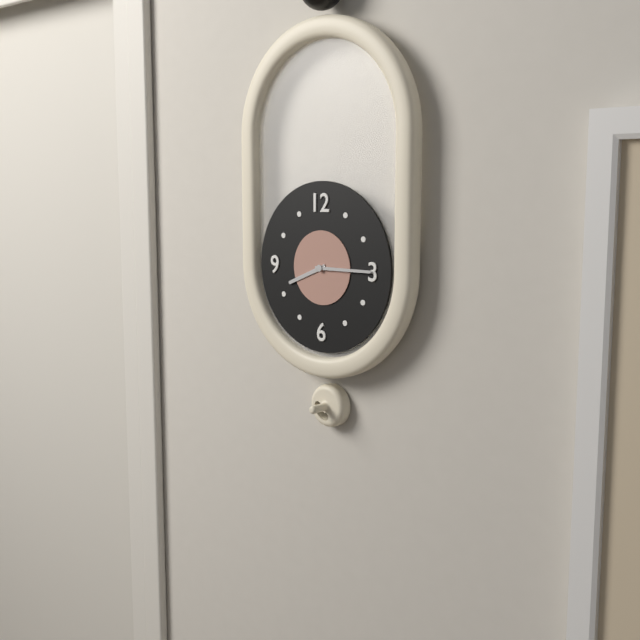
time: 8:15
